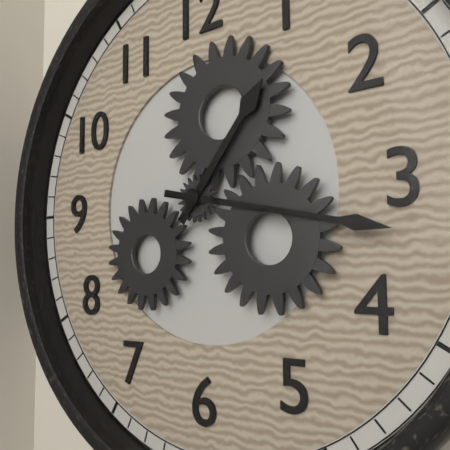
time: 1:17
